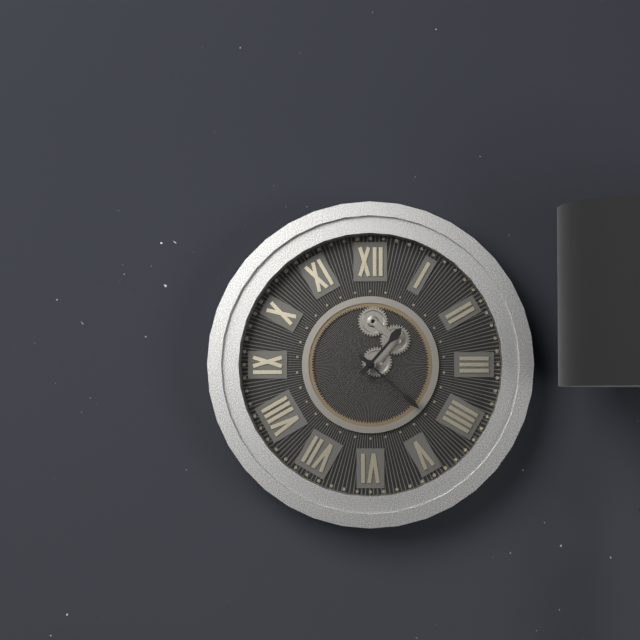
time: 1:22
